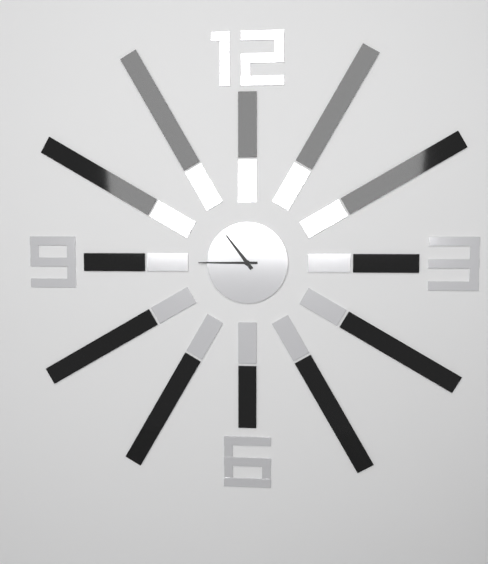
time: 10:45
